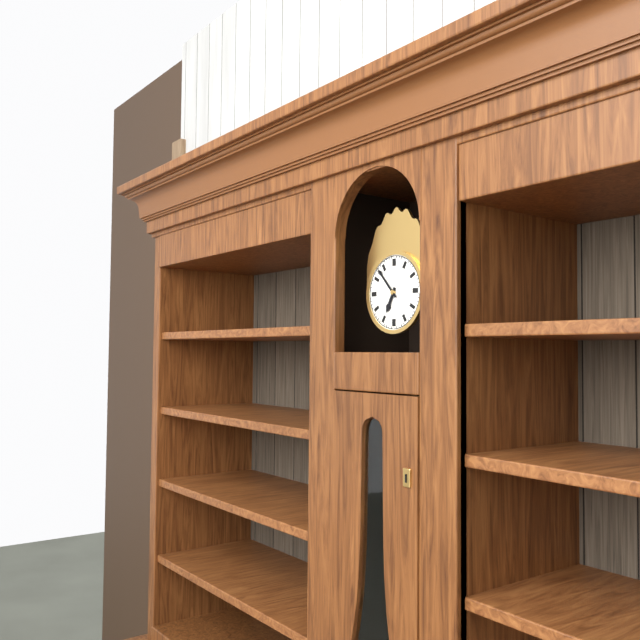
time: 6:53
